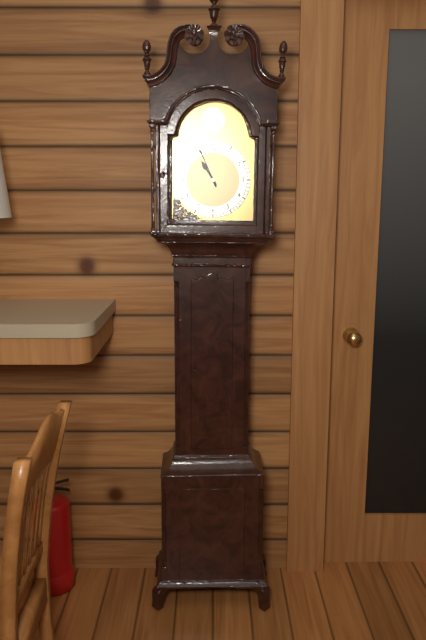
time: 10:56
